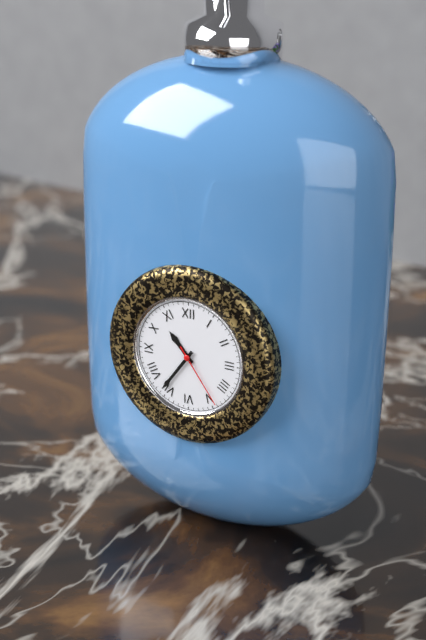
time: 10:36:24
